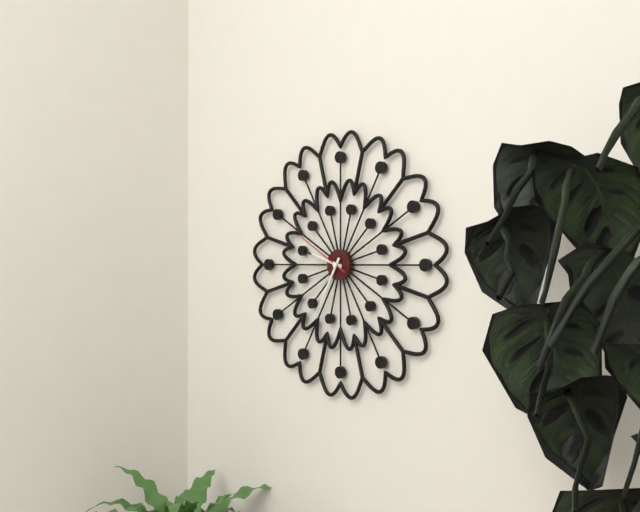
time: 9:35:50
